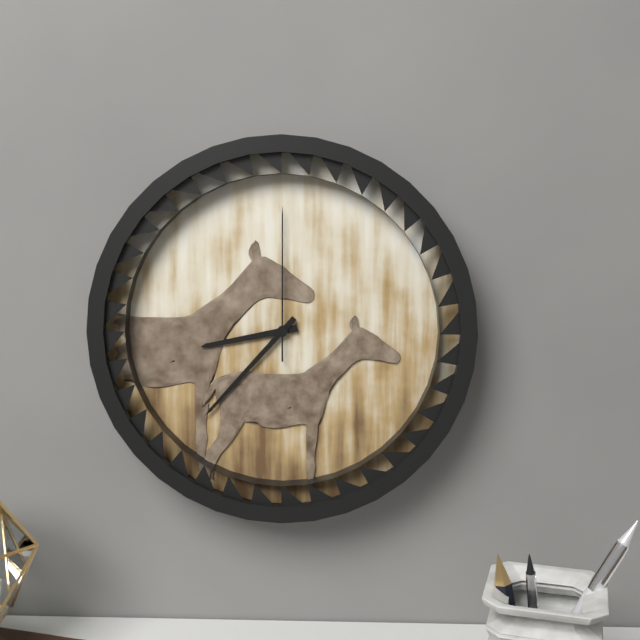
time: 8:37:00
